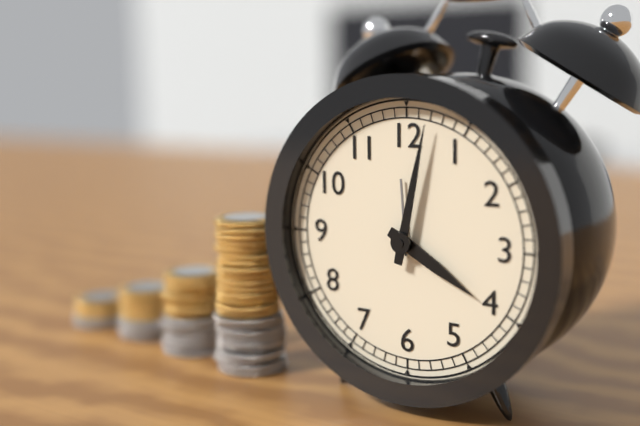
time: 4:02
